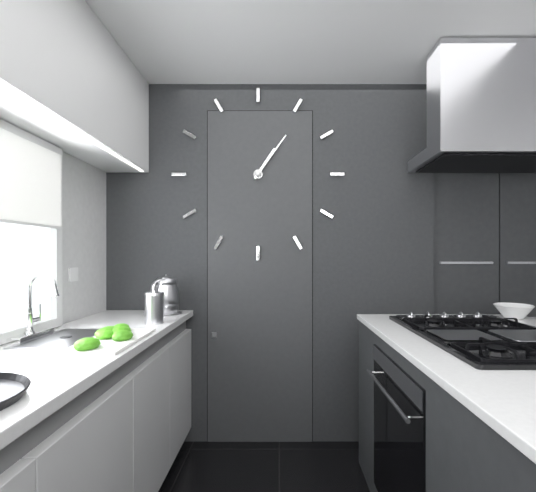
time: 1:06
